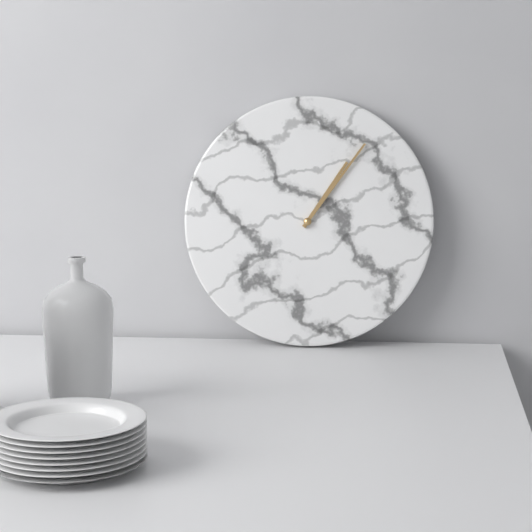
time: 1:06
